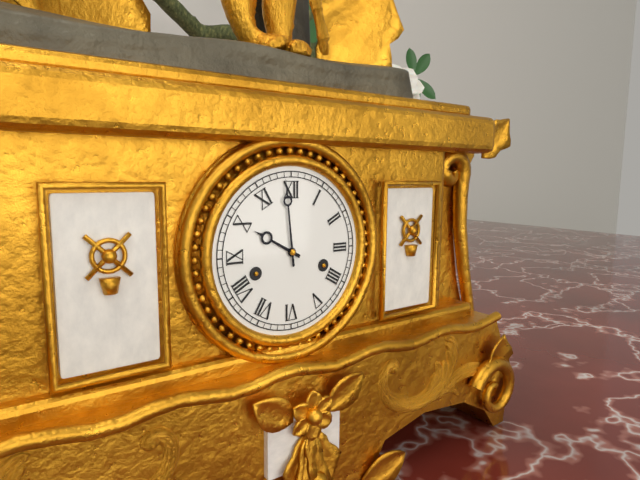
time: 9:59
